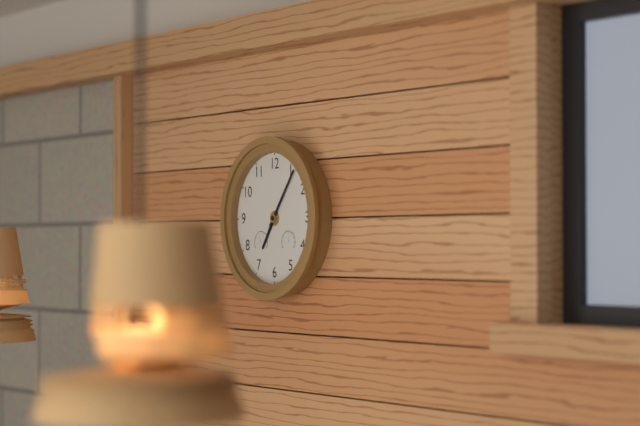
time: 7:06
